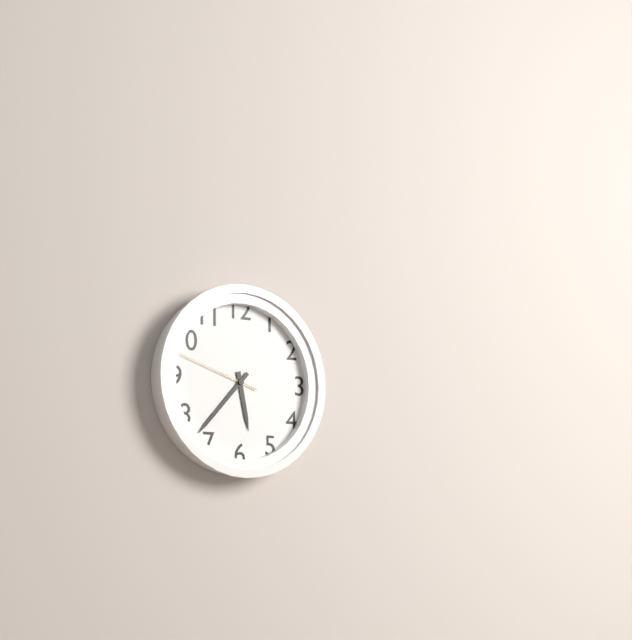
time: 5:37:48
